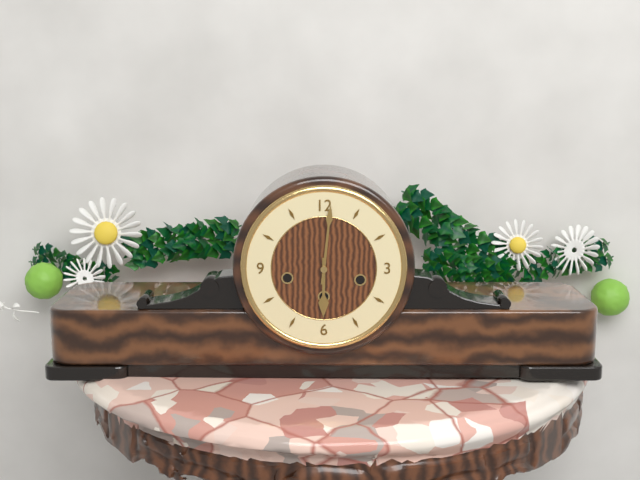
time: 6:01
